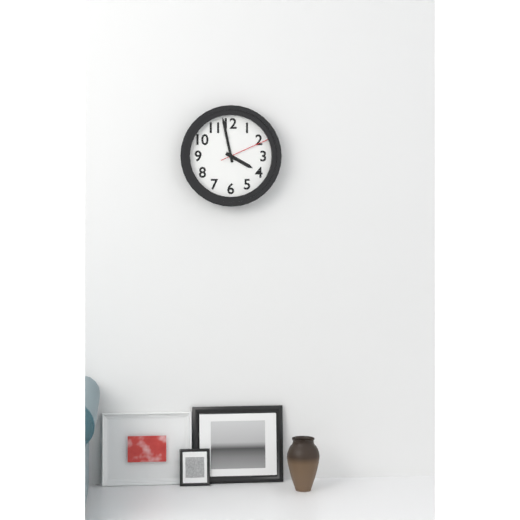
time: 3:58:11
